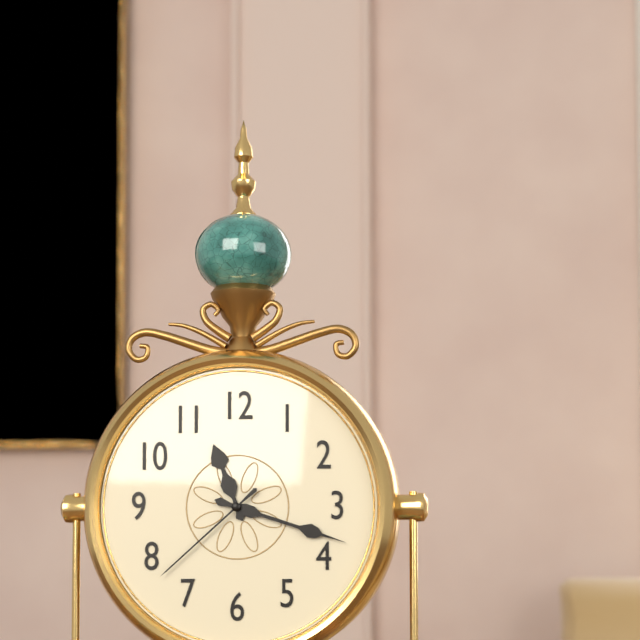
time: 11:18:38
